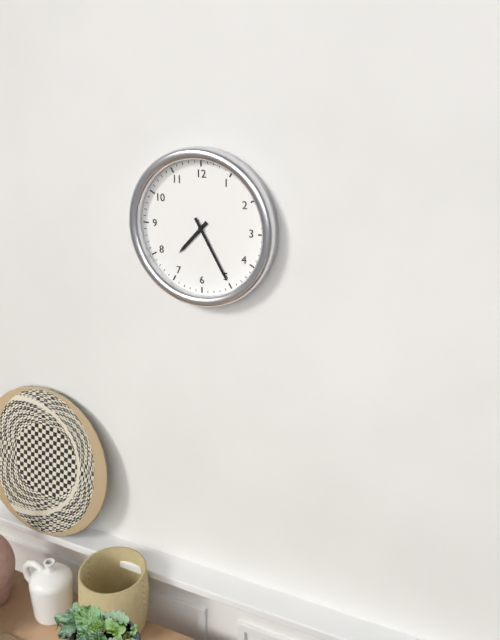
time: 7:25
